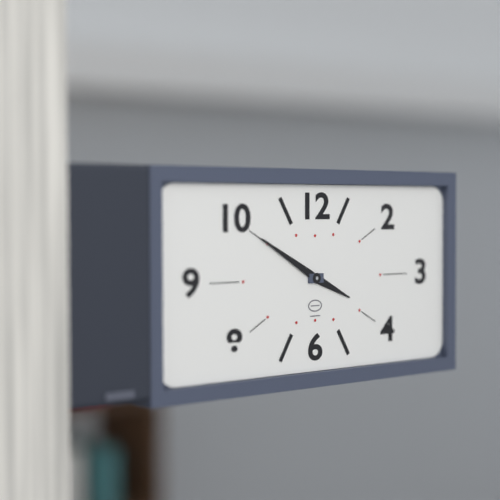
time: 3:50
